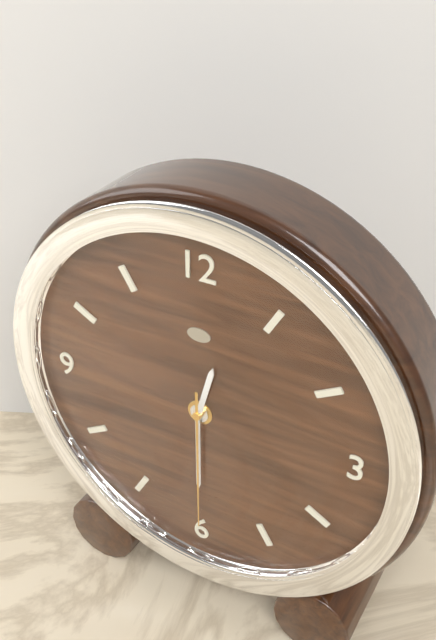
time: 12:30:30
